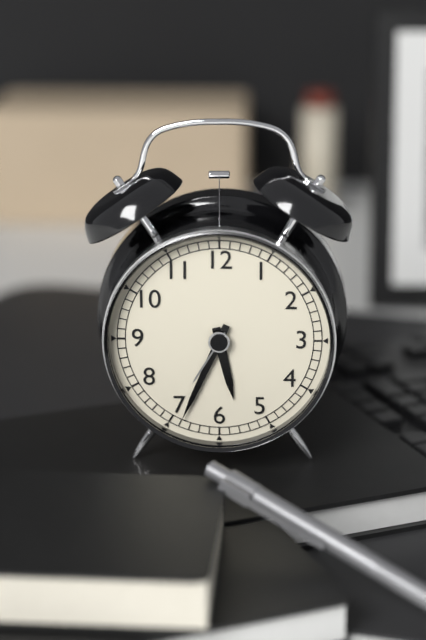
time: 5:34
